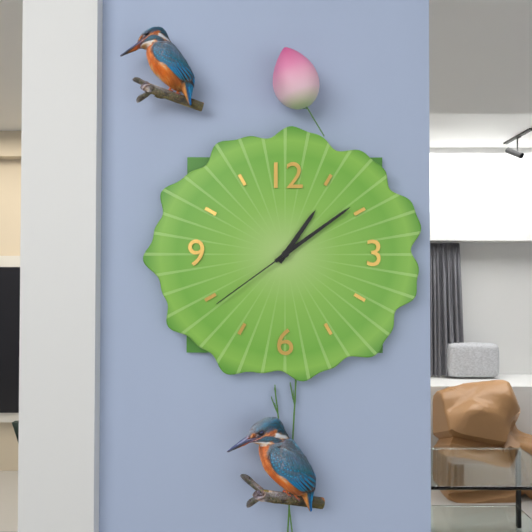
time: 1:09:39
